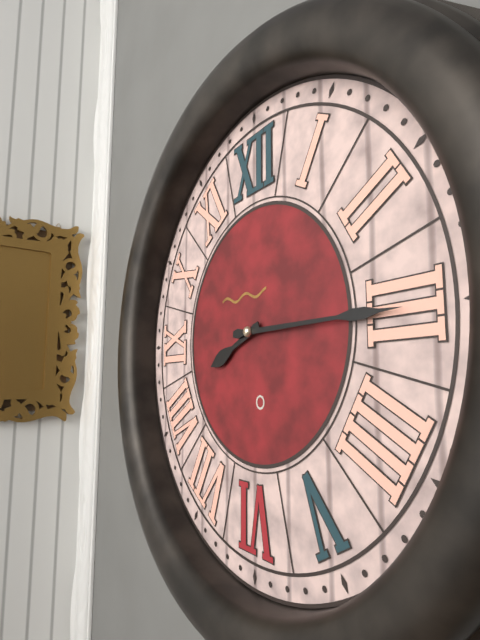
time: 8:15
